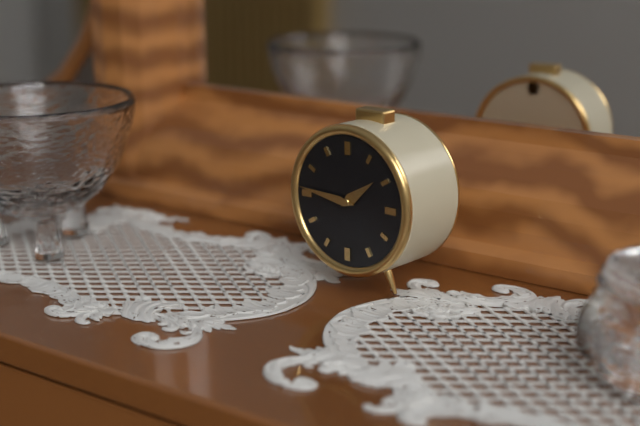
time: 1:46
